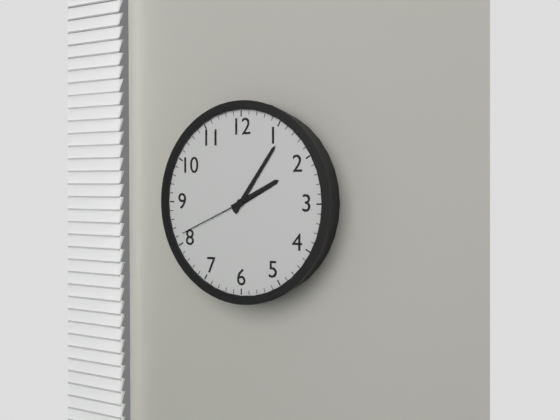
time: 2:06:41
